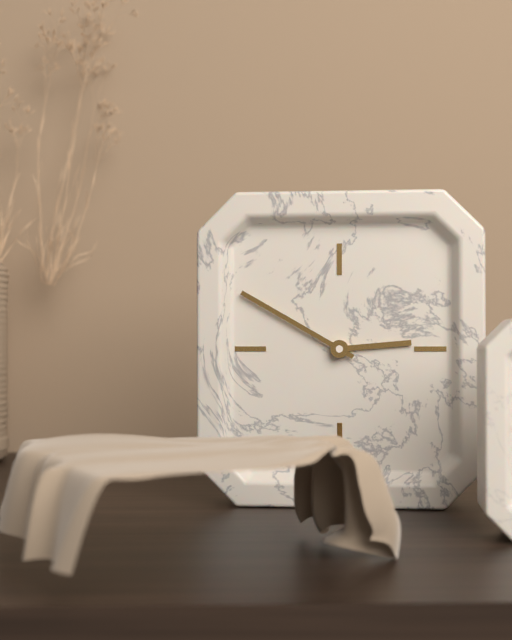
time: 2:50
